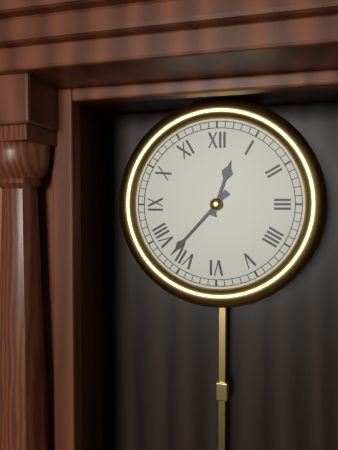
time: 12:37
